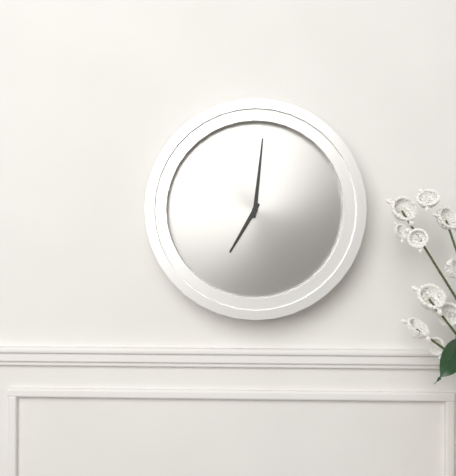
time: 7:01
